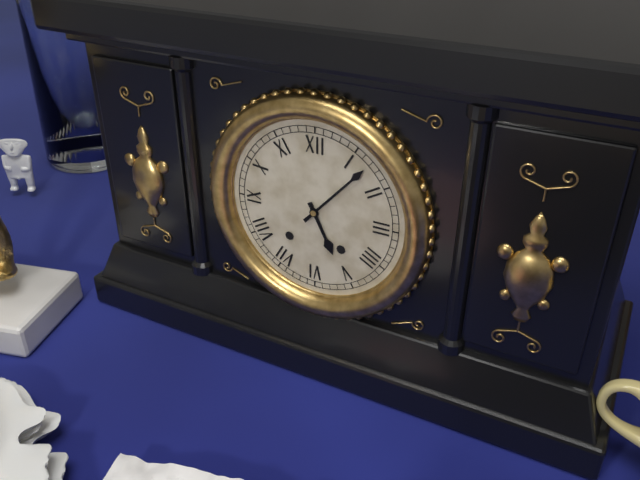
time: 5:07
